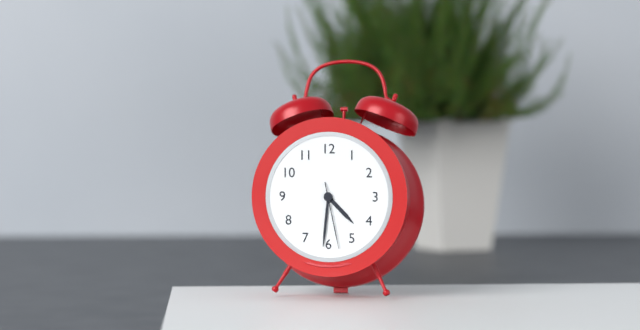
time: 4:31:28
